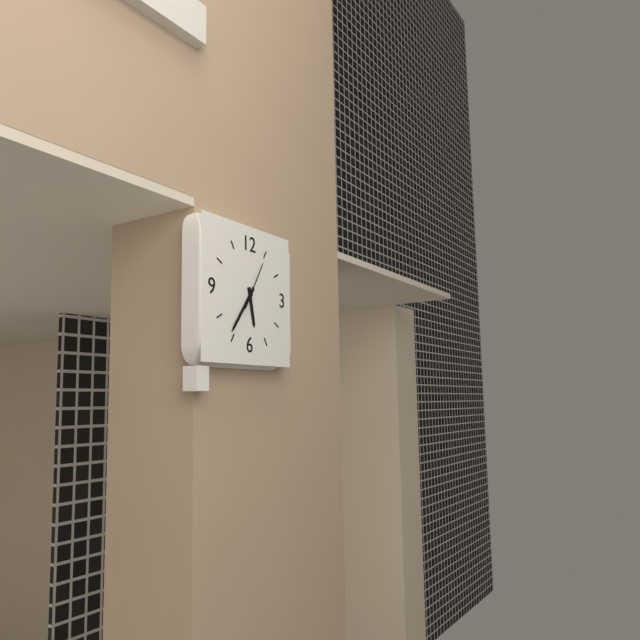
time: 5:36
